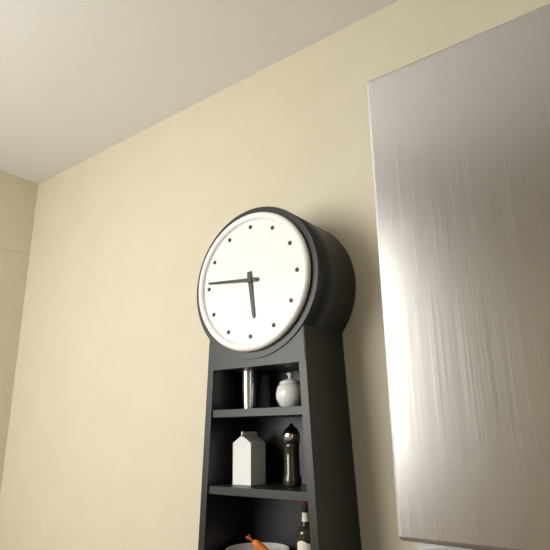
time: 5:46
